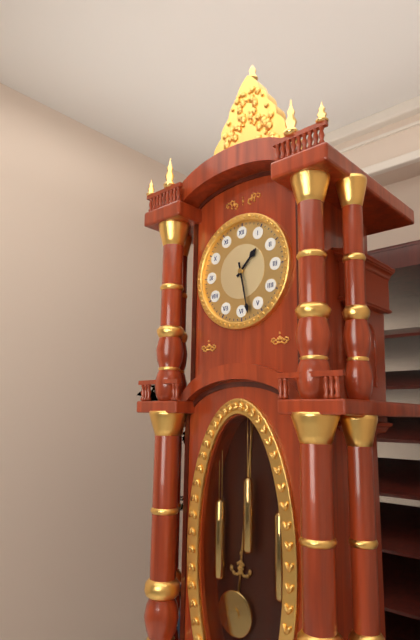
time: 1:28
